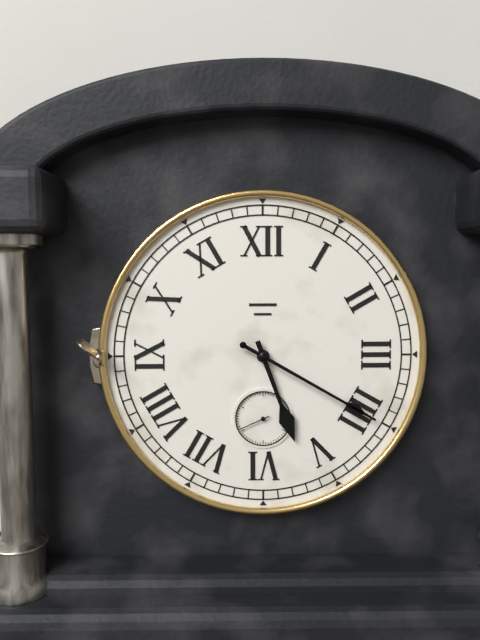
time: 5:20
